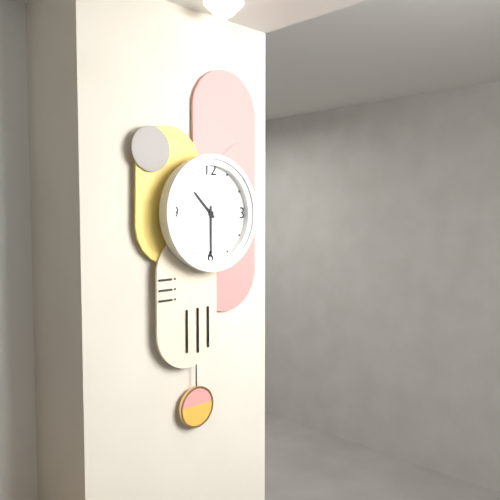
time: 10:30
